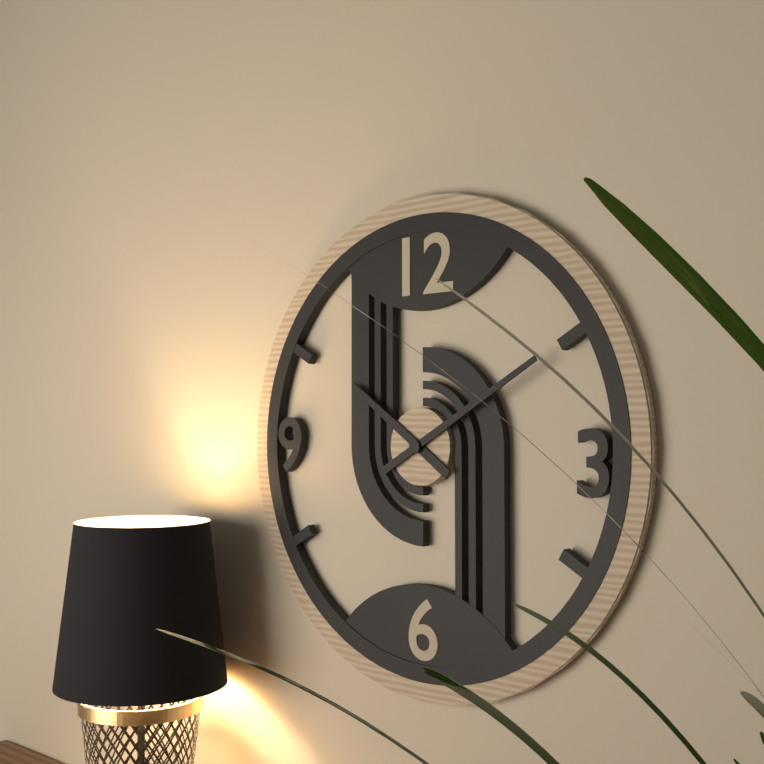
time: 10:10
